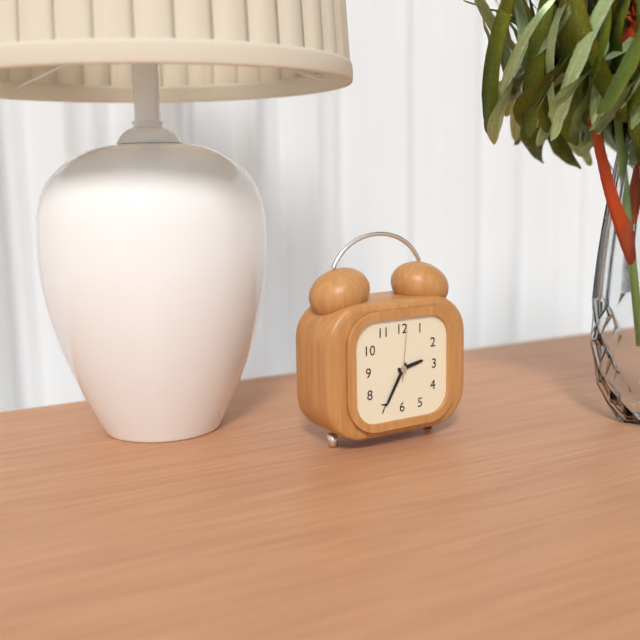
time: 2:35:01
